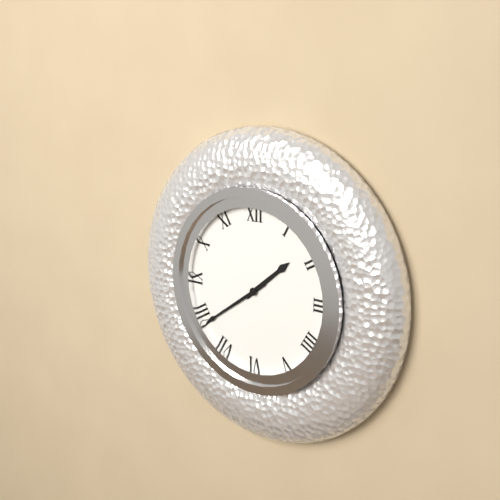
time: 1:39
